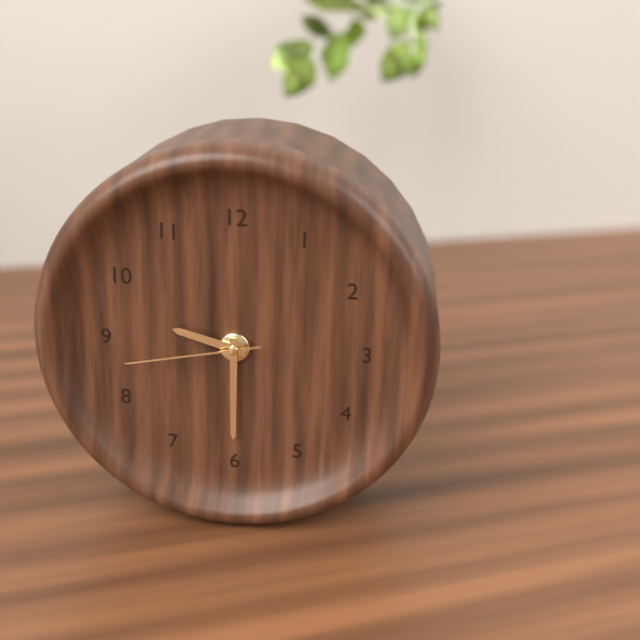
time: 9:30:43
